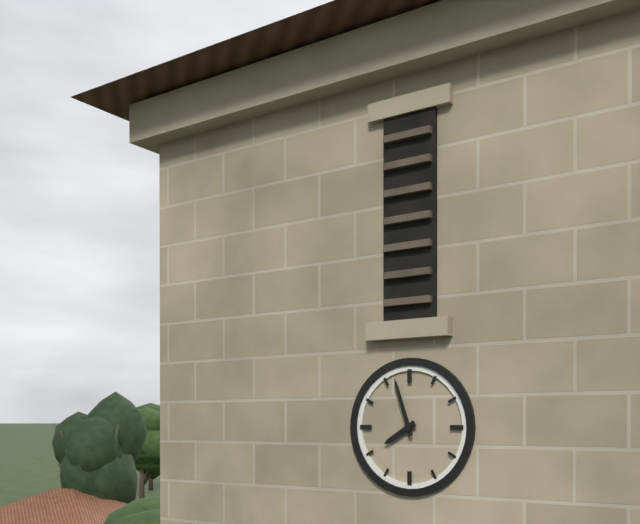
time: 7:57
